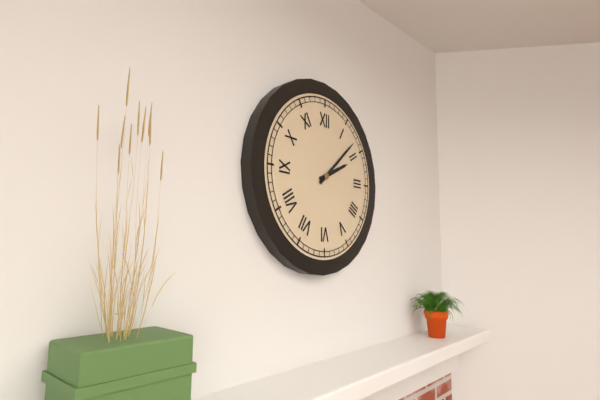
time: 2:08
